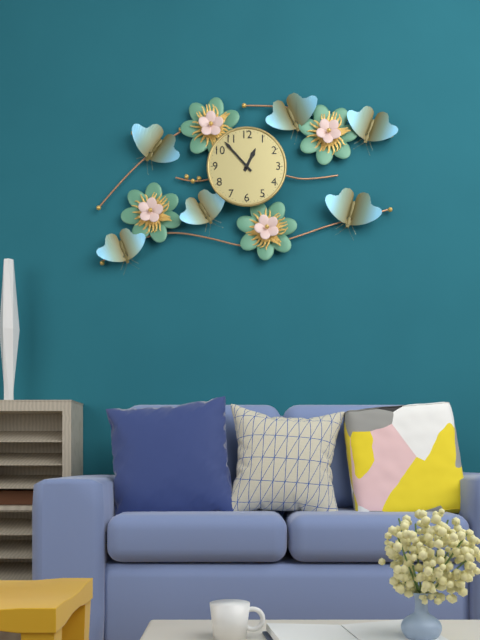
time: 12:53
